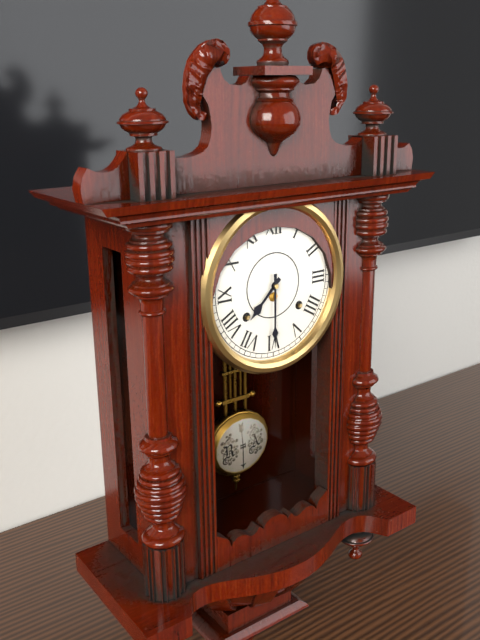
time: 7:30
